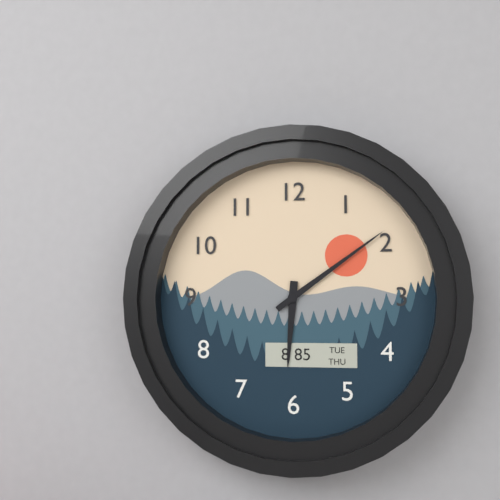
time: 6:09
